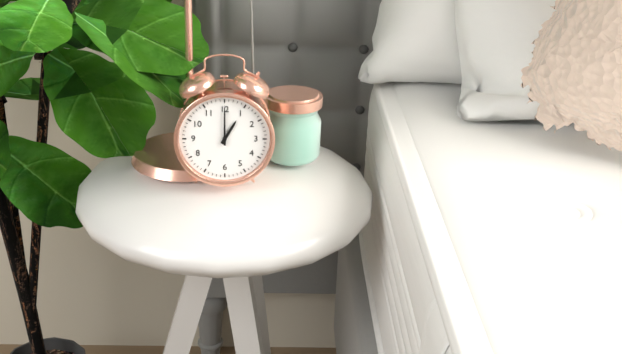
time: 1:00
